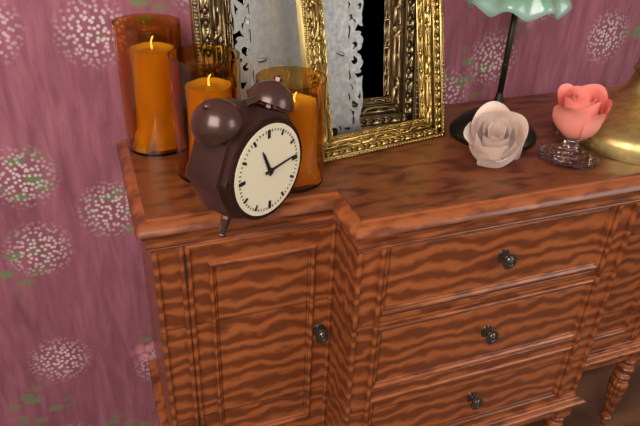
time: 11:14
